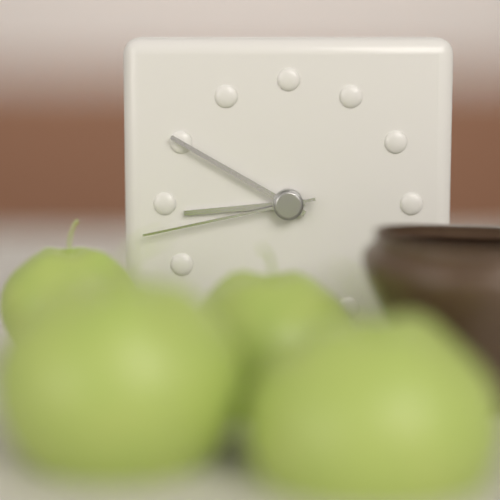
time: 8:50:43
